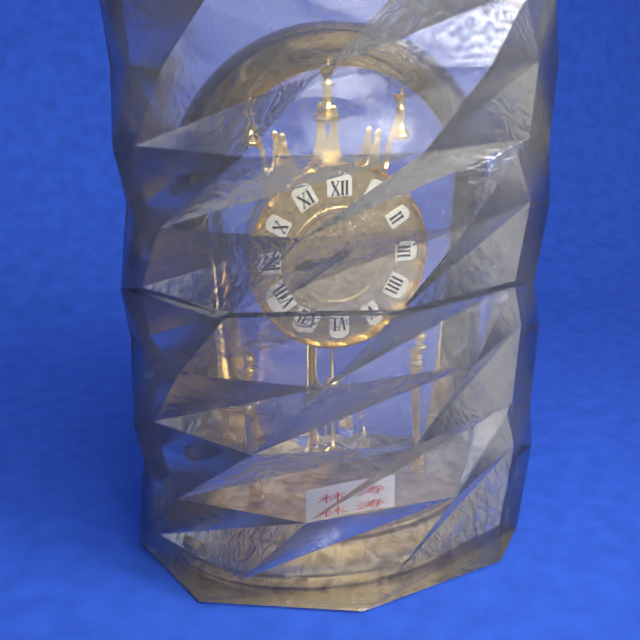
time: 8:40
